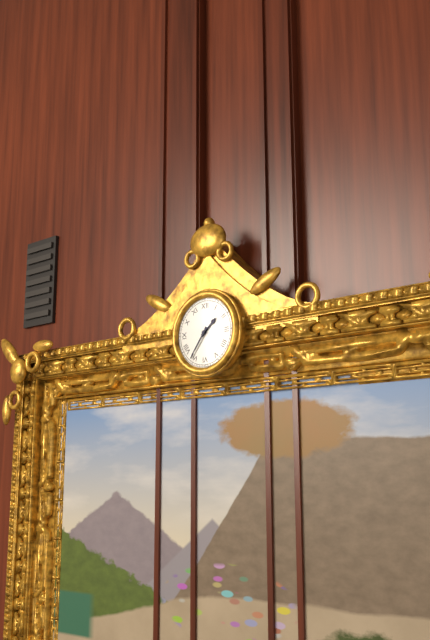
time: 1:36
